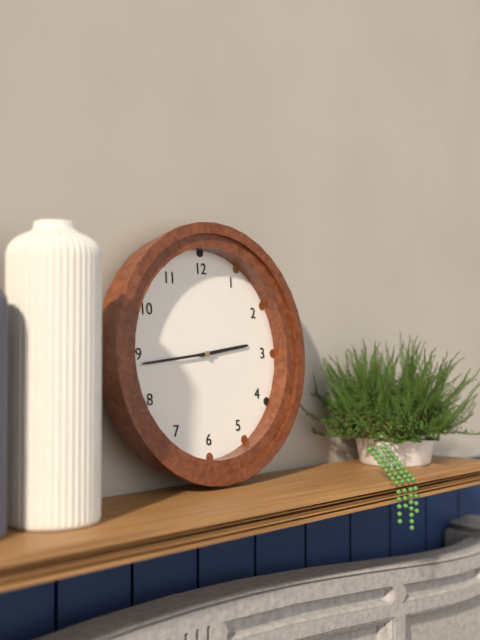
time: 2:44
